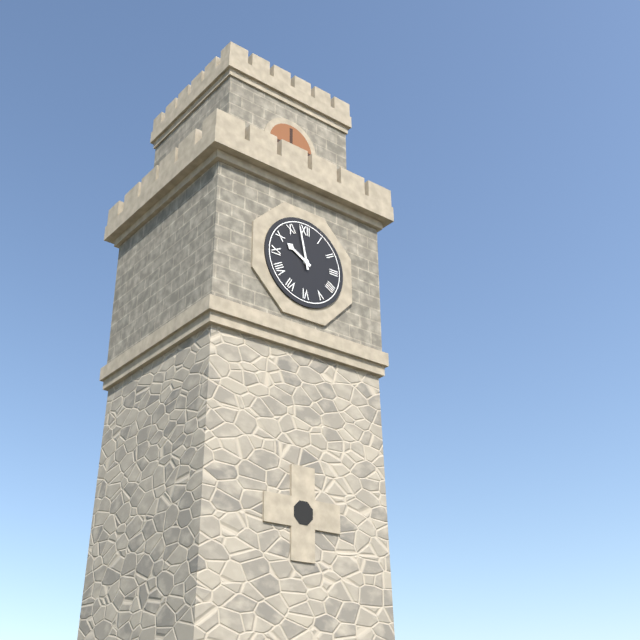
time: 9:58
